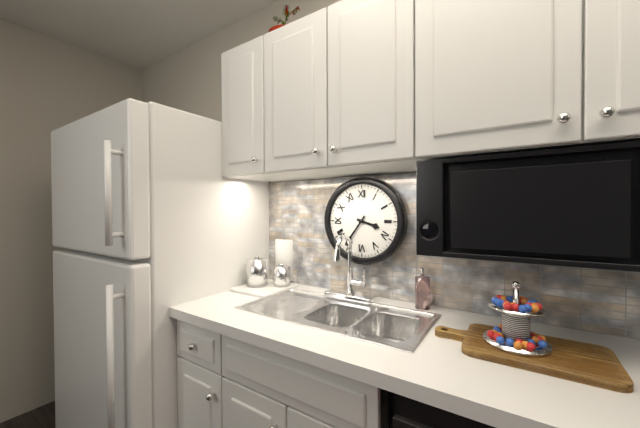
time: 3:36
